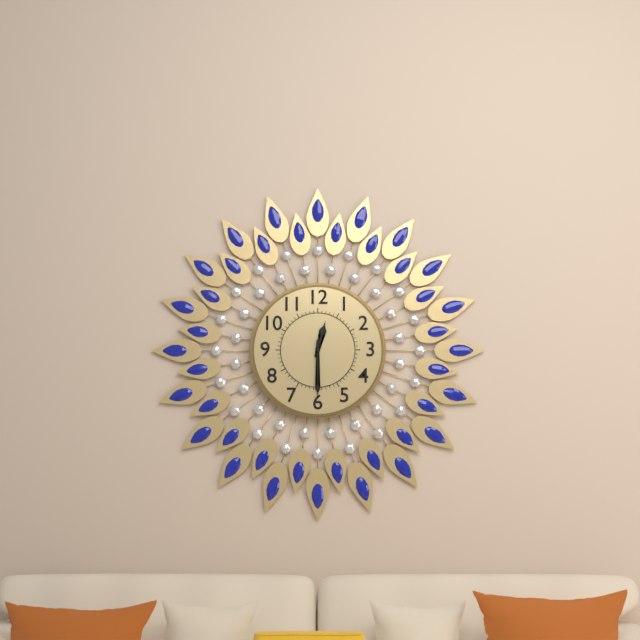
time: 12:30
